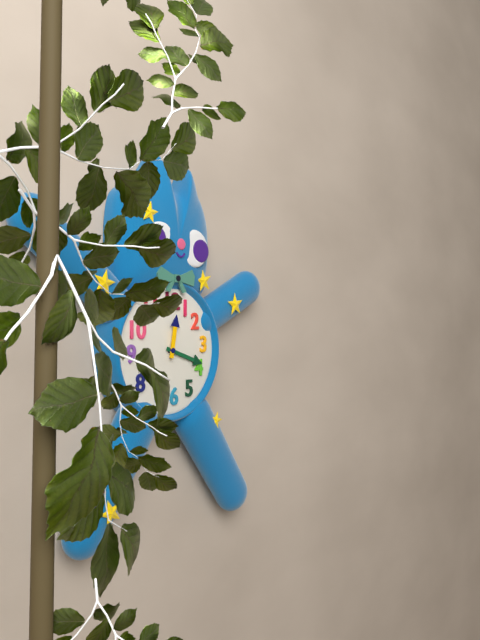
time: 12:18
